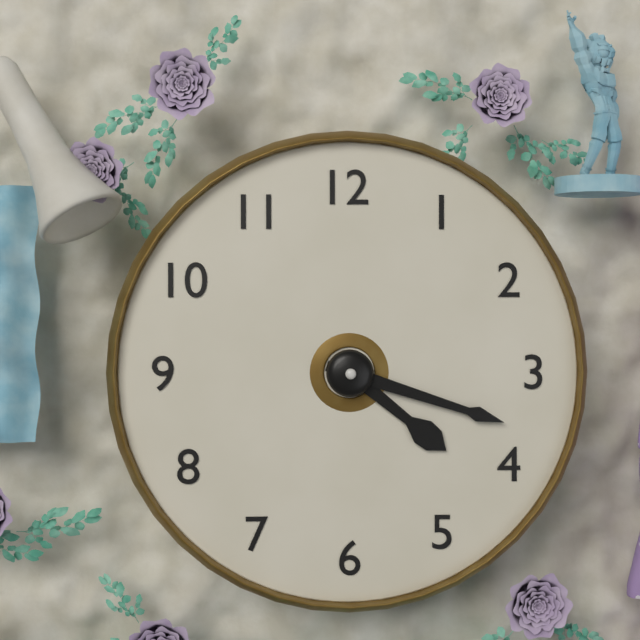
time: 4:18
